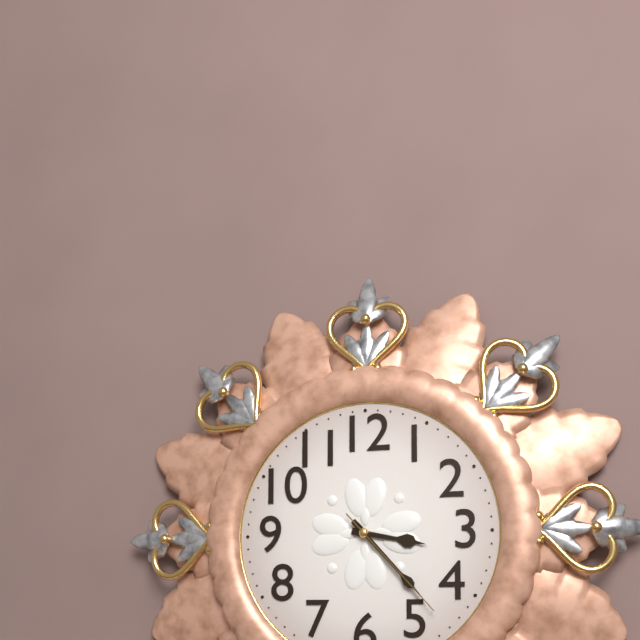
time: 3:23:23
